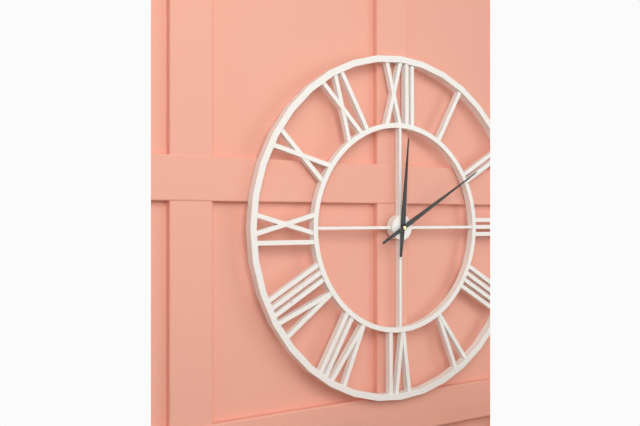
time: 12:10
